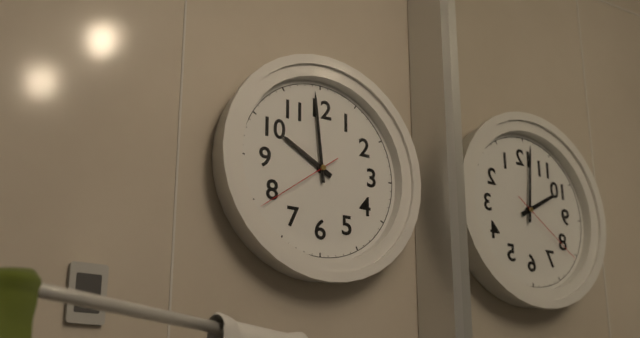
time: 9:59:39
